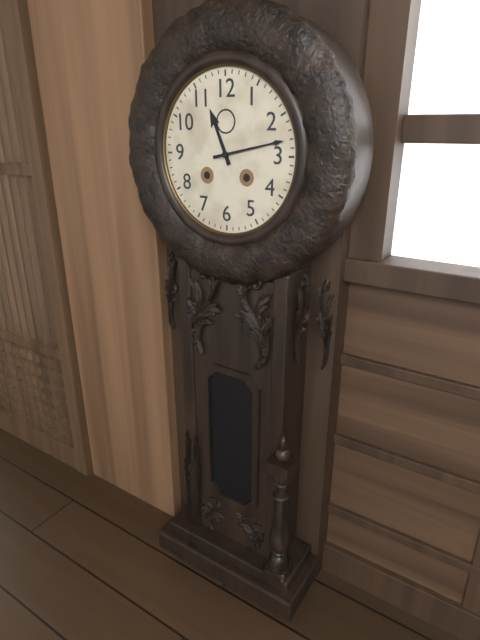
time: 11:13
